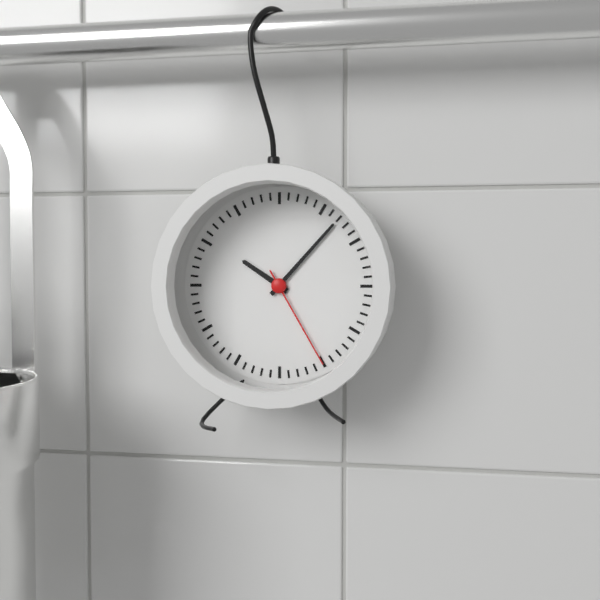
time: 10:07:25
